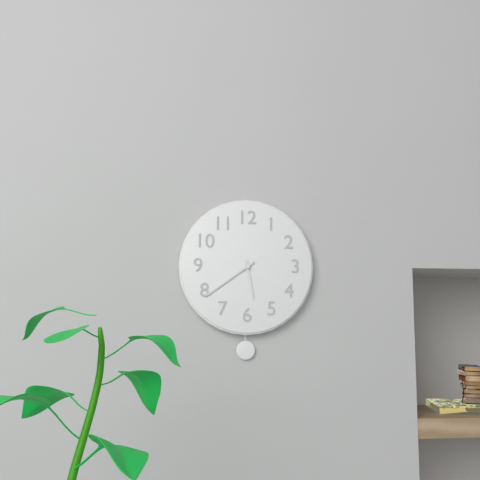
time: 5:39
